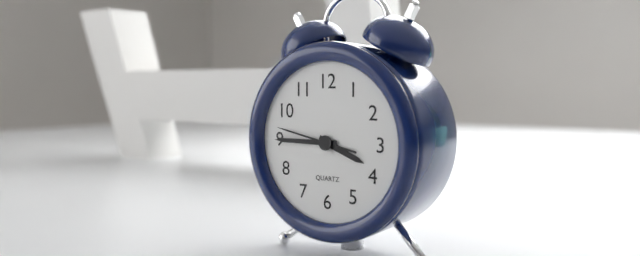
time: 3:45:47
